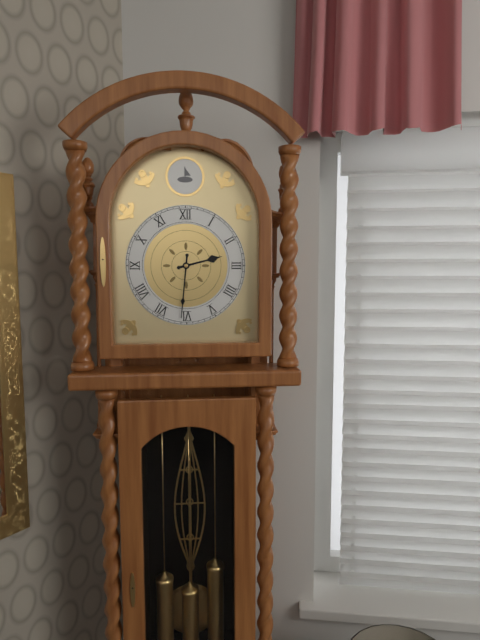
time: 2:31
